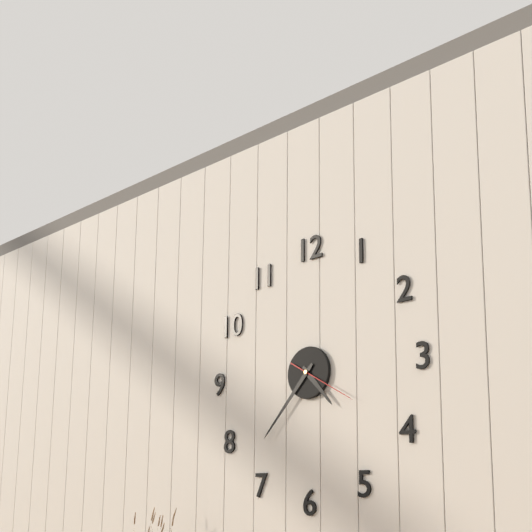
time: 4:37:20
